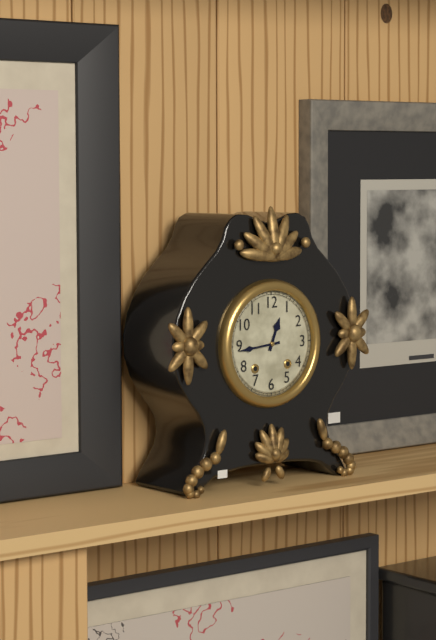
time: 12:44
